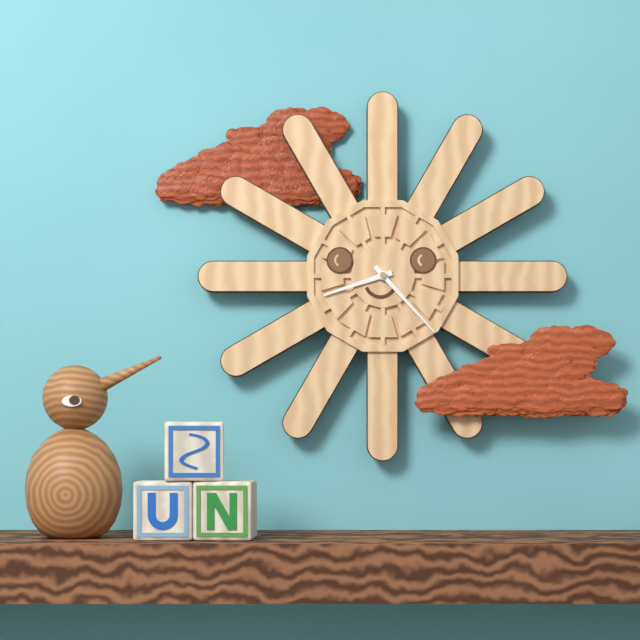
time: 8:23
